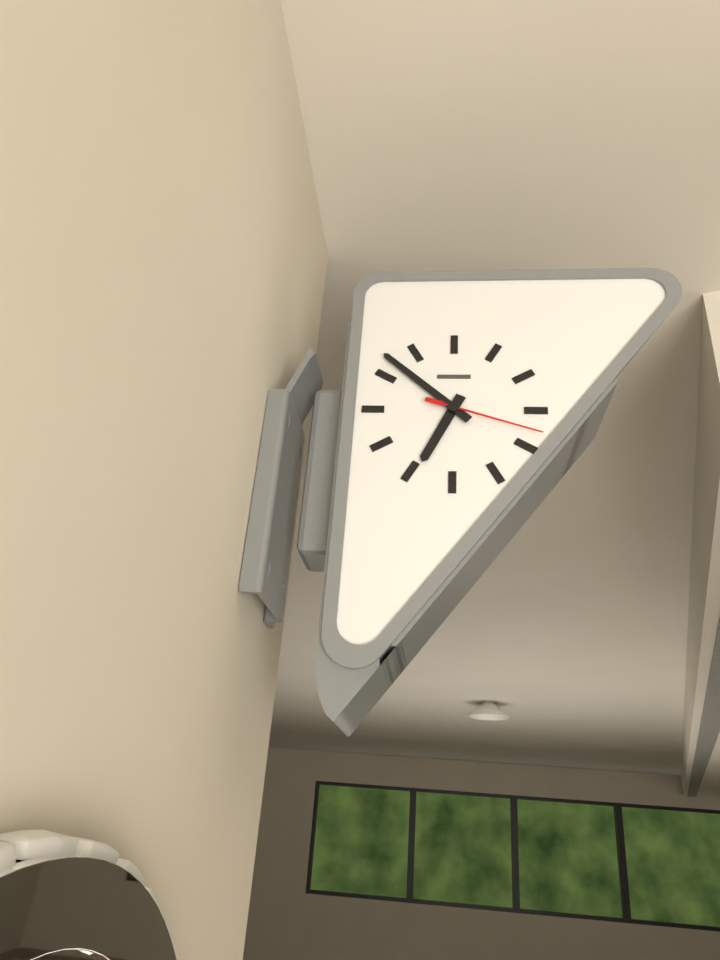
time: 6:52:18
